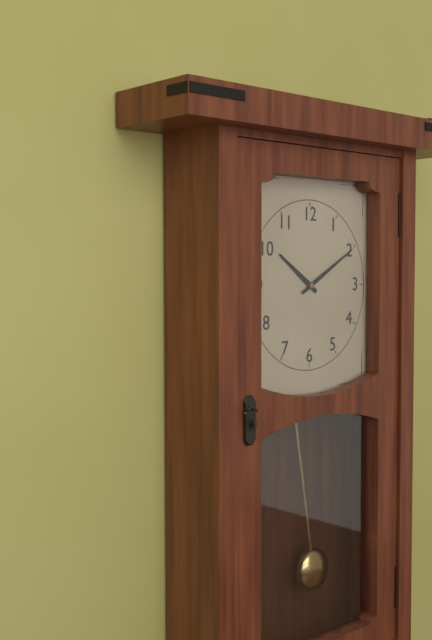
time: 10:10
